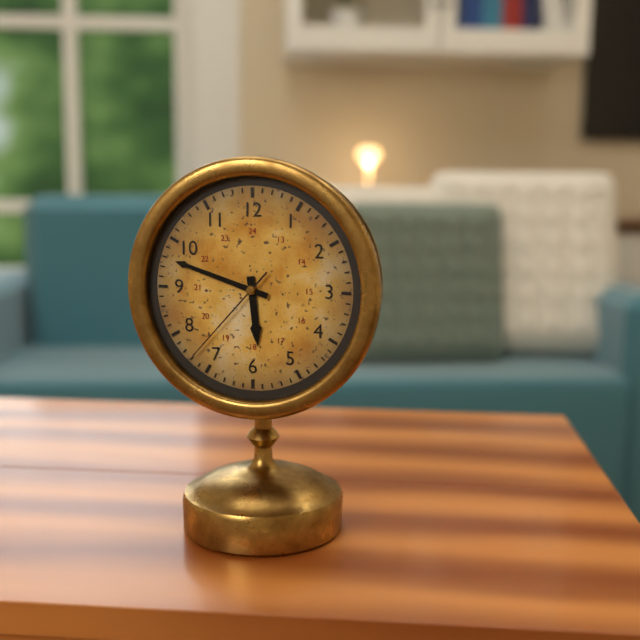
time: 5:48:37
